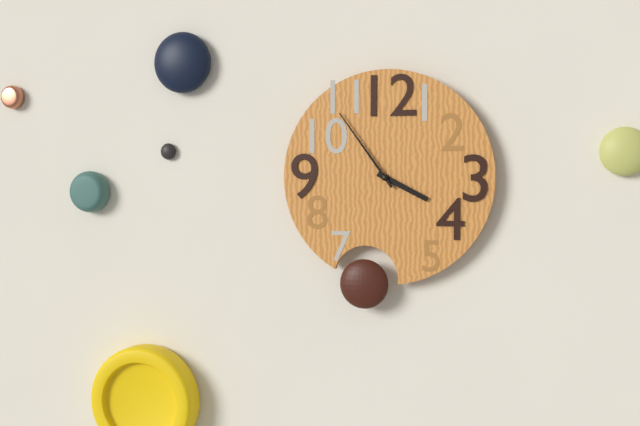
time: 3:54
